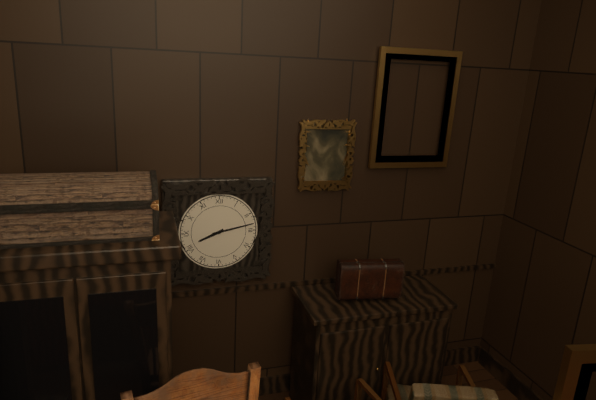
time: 8:13
